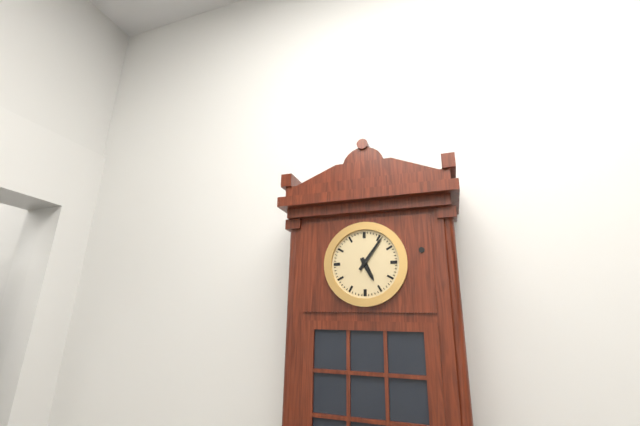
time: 5:06
